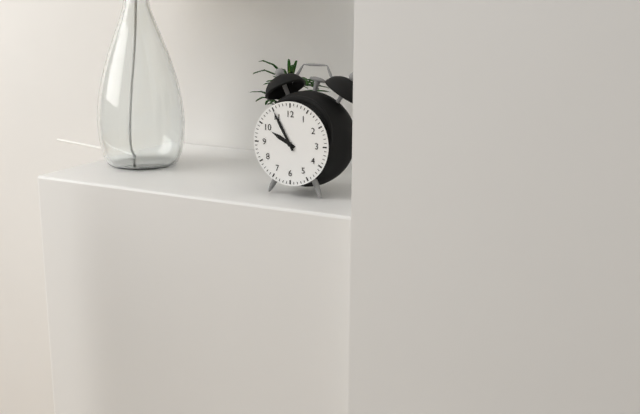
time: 9:55
